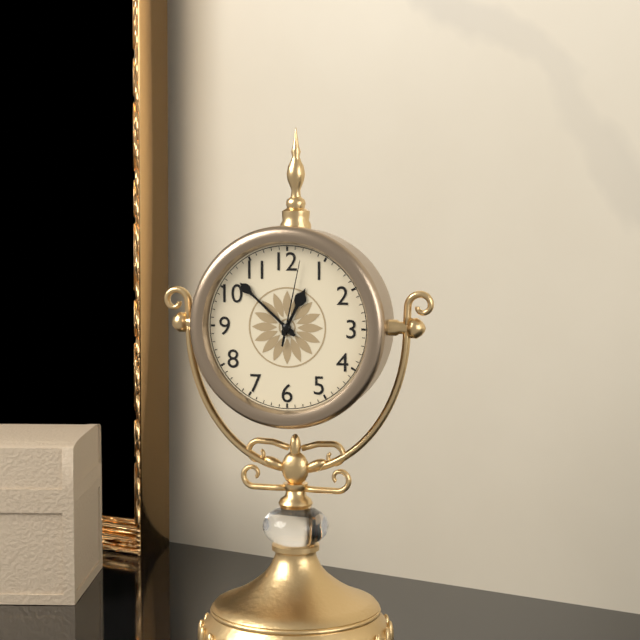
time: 12:52:02
